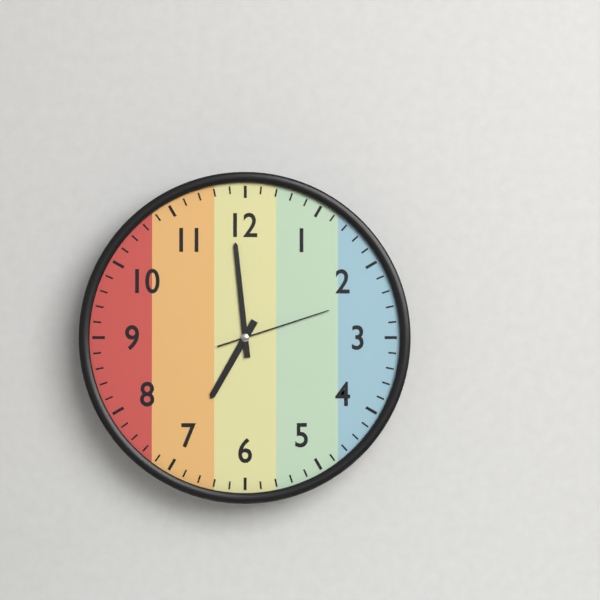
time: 6:59:12
